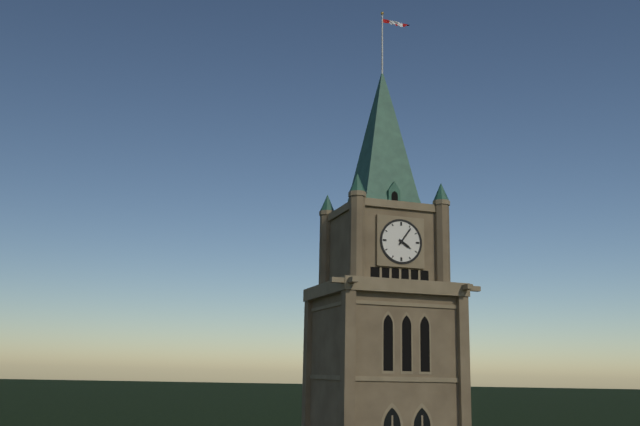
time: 4:06
